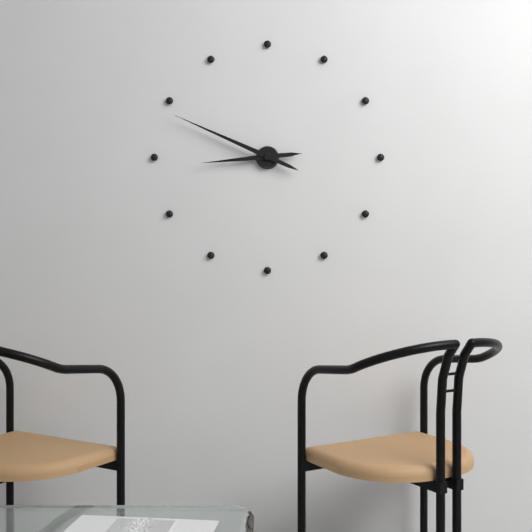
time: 8:49
